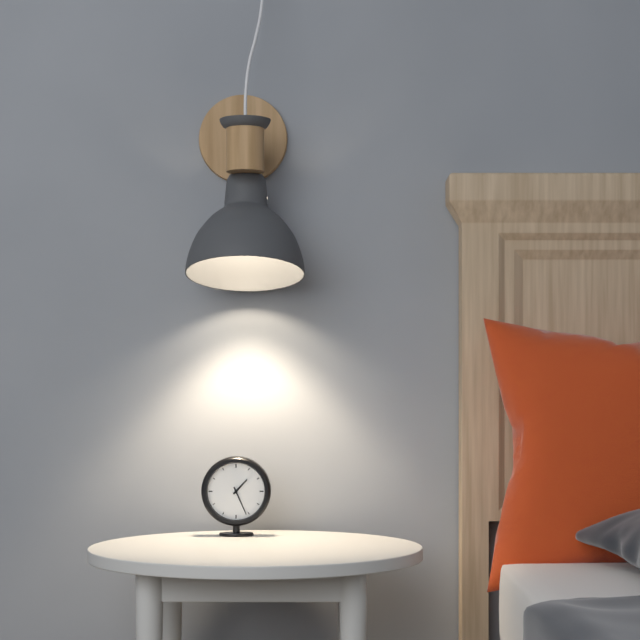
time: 1:26
